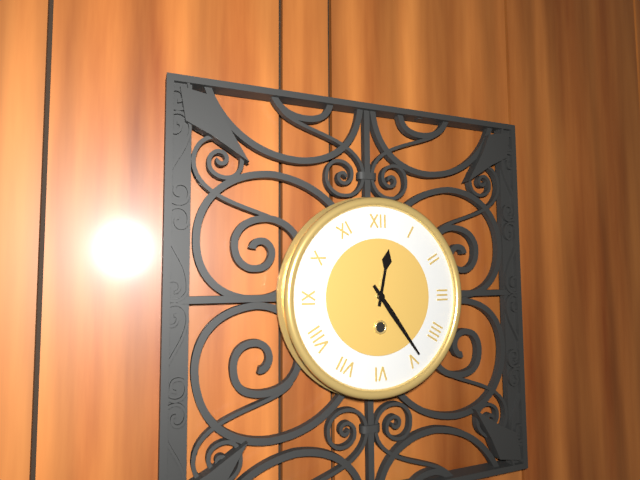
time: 12:24
